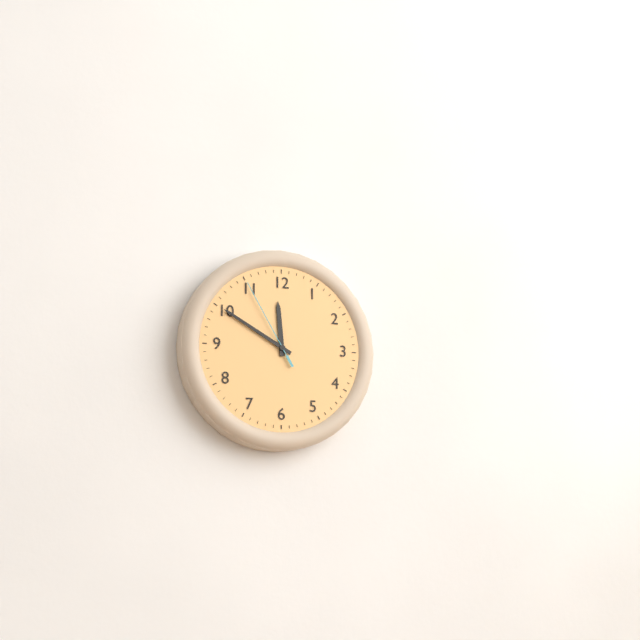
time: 11:50:55
